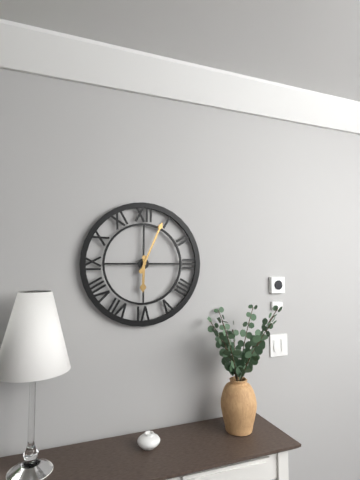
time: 6:04
